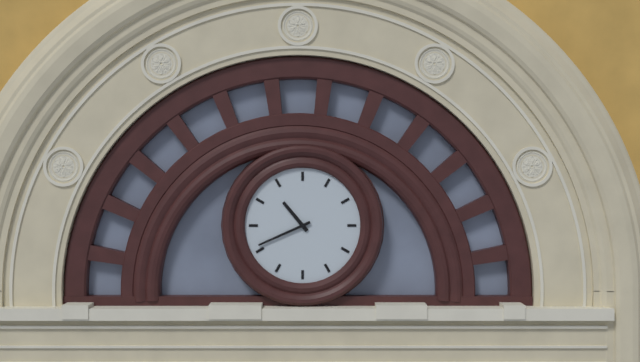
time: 10:41
